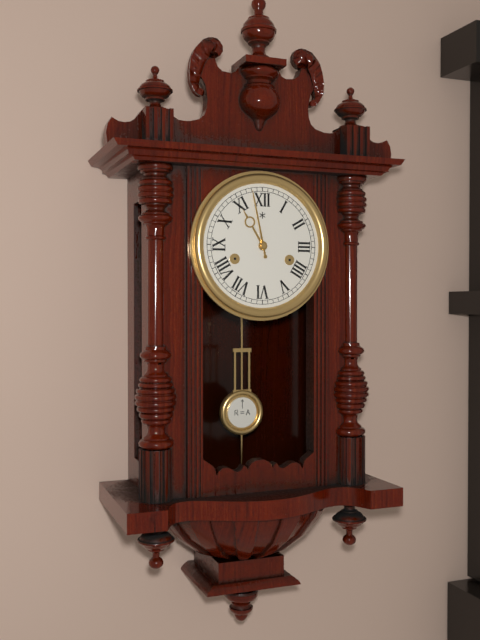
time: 10:58
